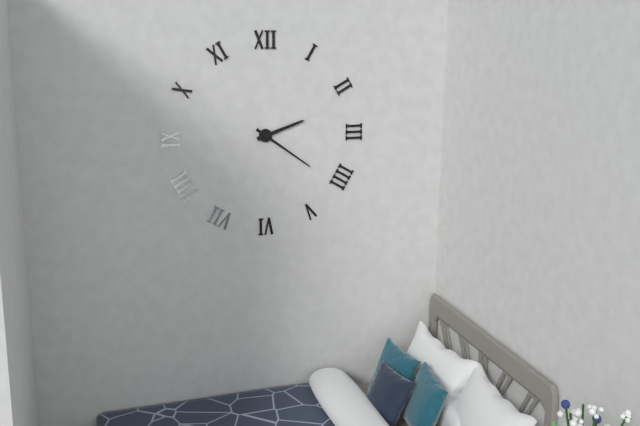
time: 2:21
